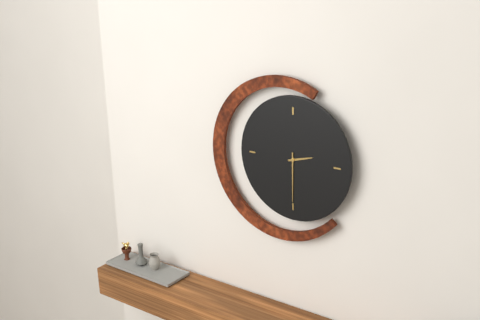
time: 2:30
